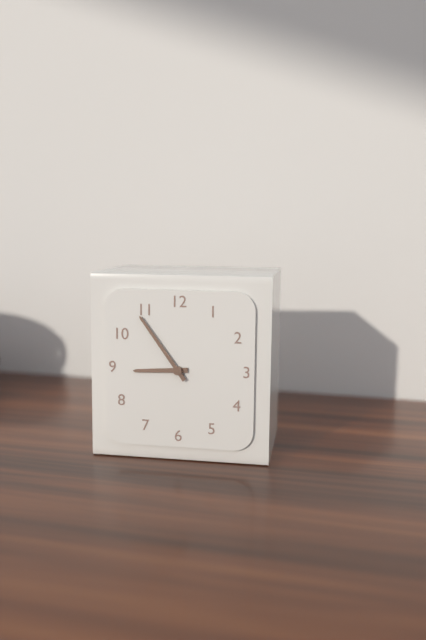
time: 8:54
